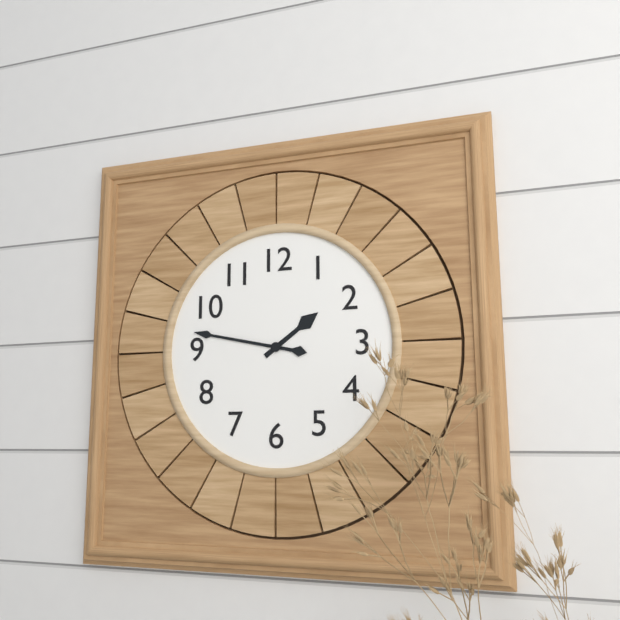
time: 1:47
